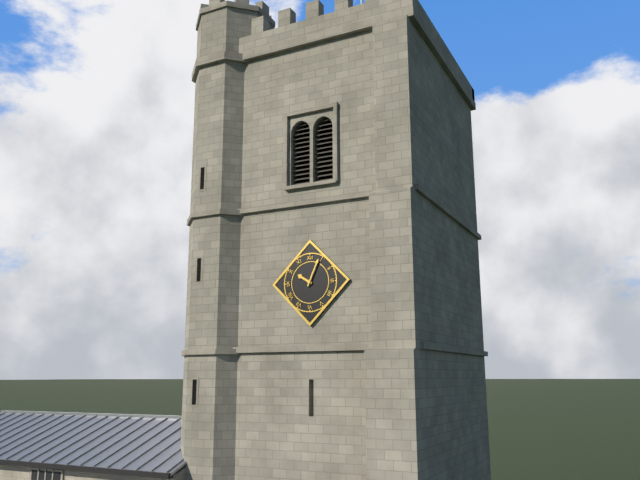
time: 10:04
